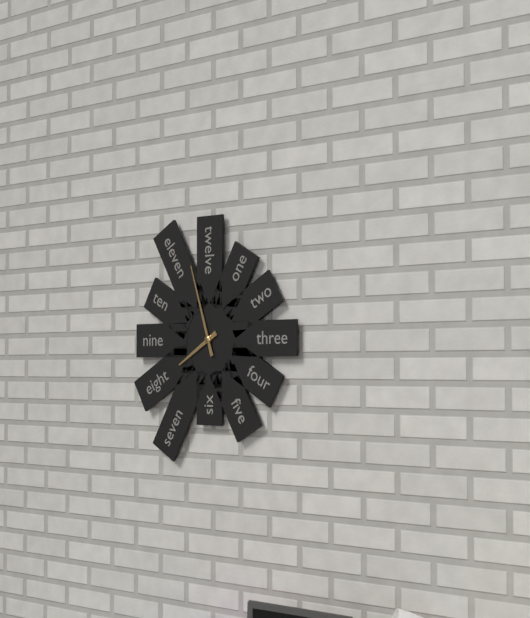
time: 7:57
